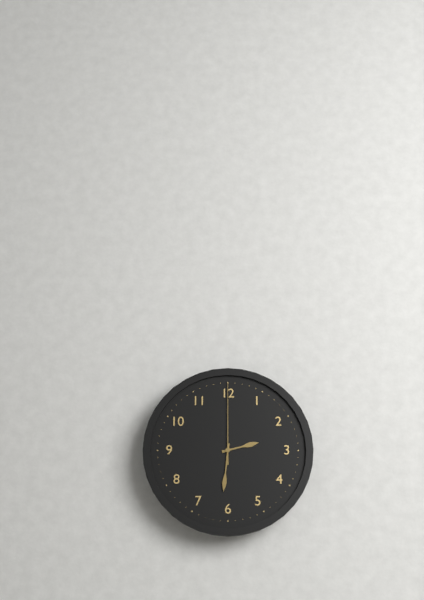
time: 2:31:00
